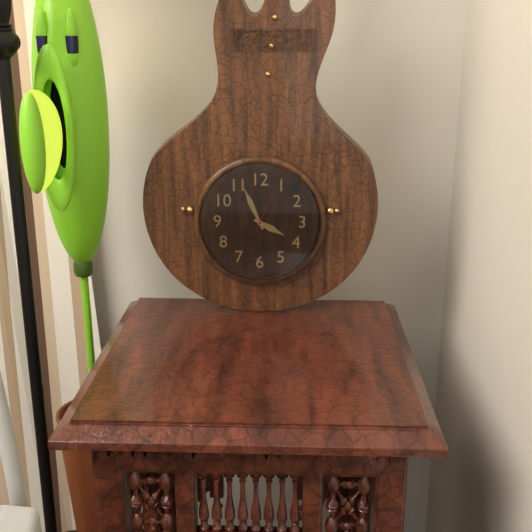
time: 3:56
